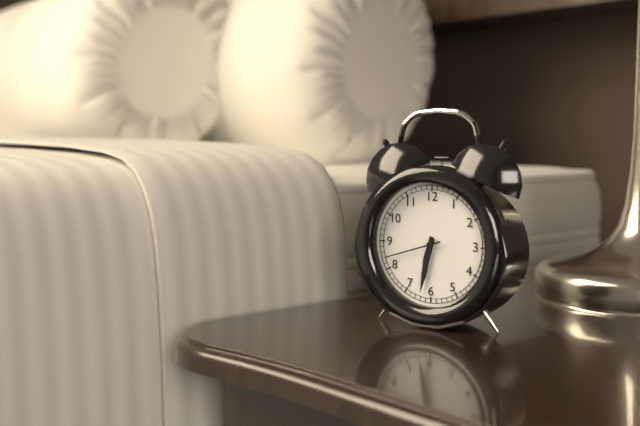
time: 6:32:42
